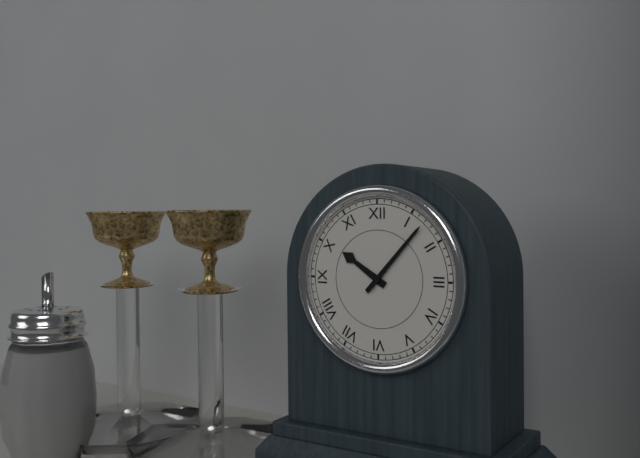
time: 10:07
